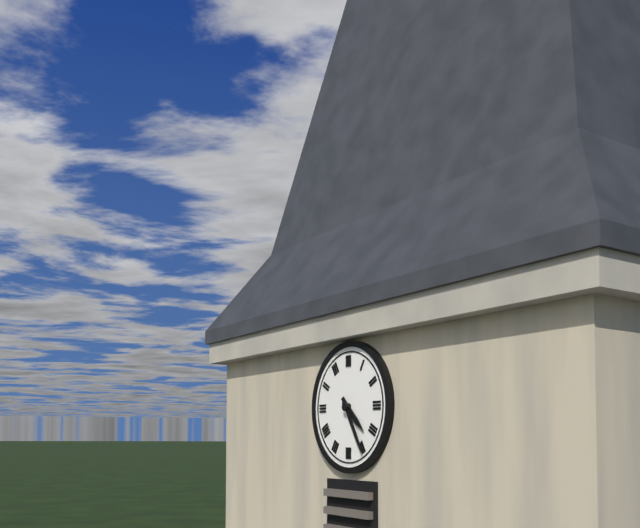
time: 4:25
